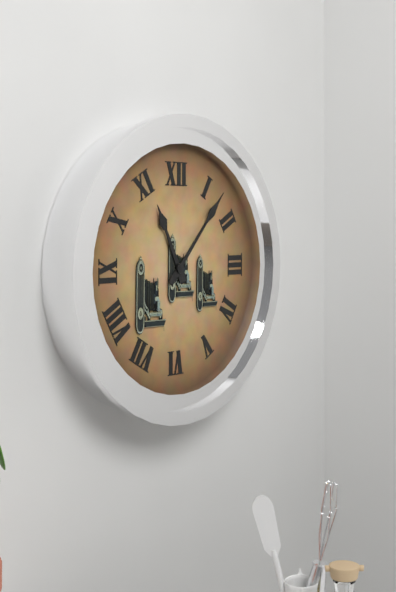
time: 11:07
